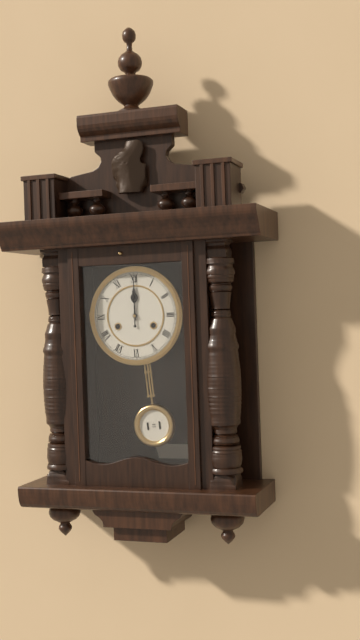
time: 12:00
